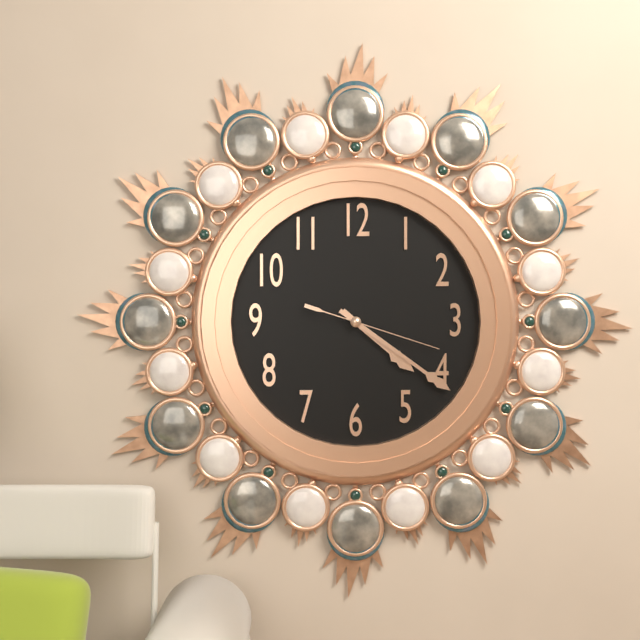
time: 4:21:18
